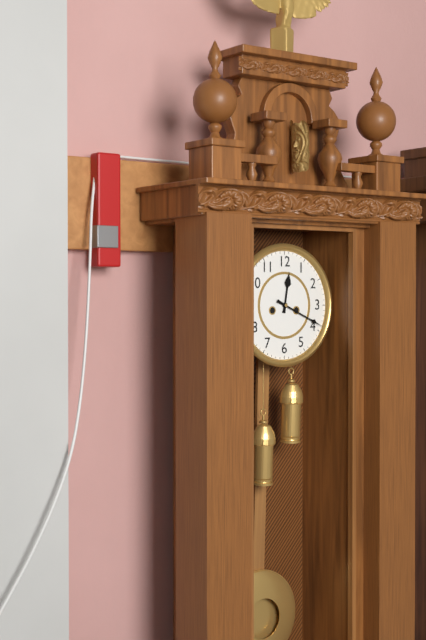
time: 12:19
